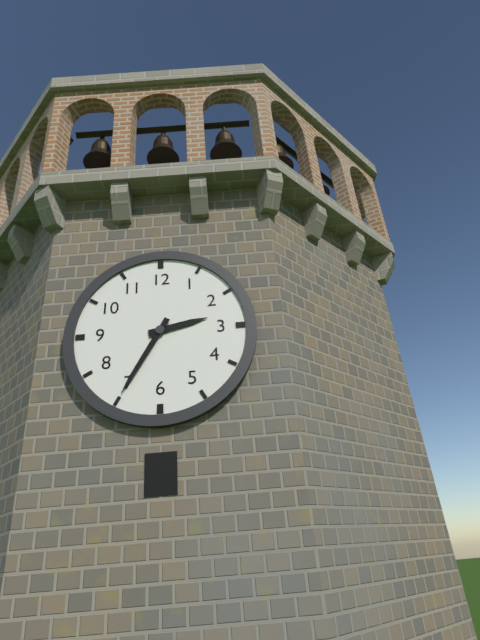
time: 2:35
